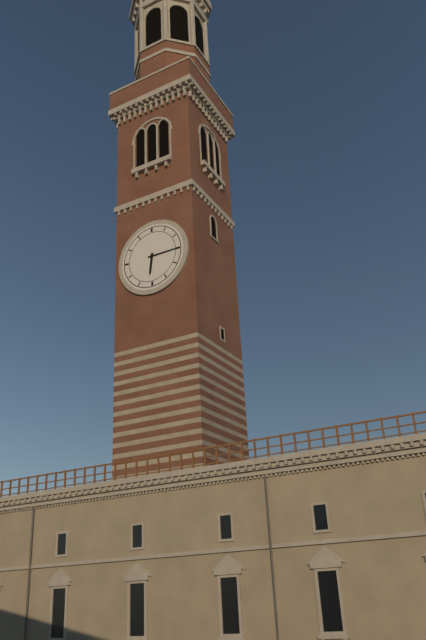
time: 6:15
